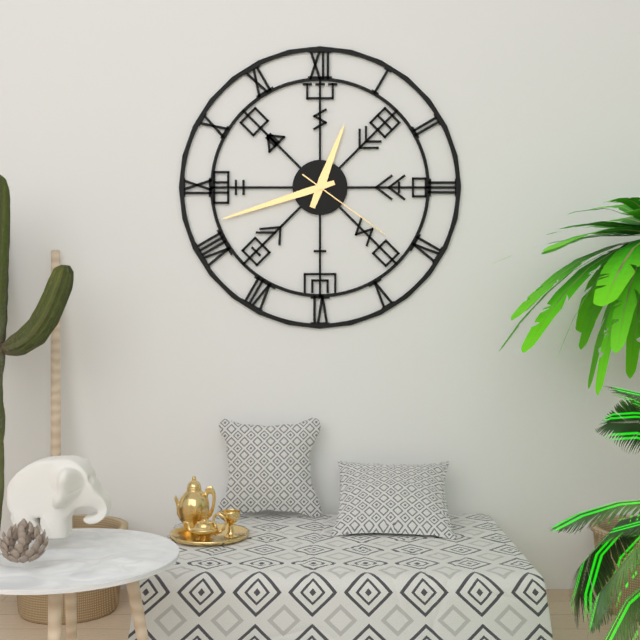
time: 12:42:21
